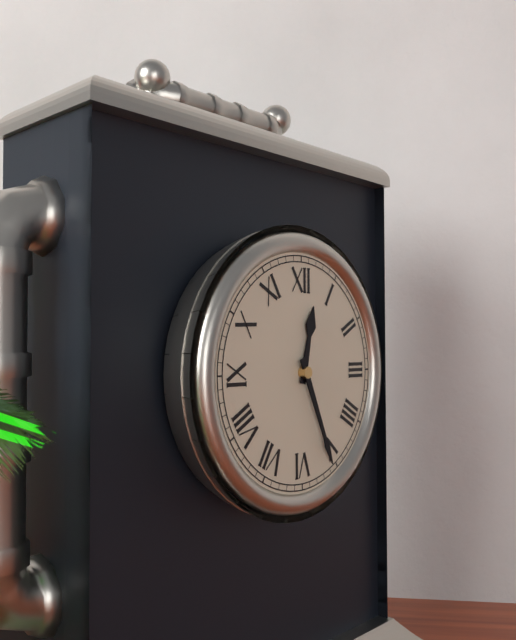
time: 12:26
